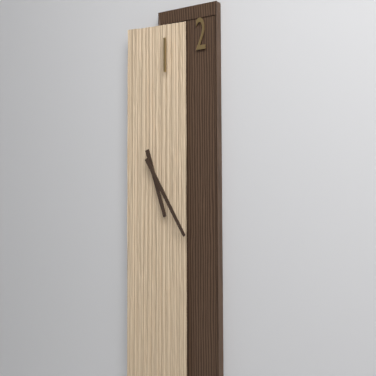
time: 5:25
